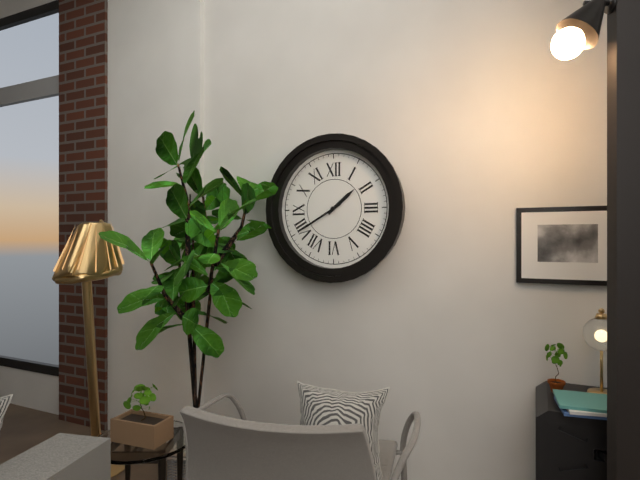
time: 1:40
